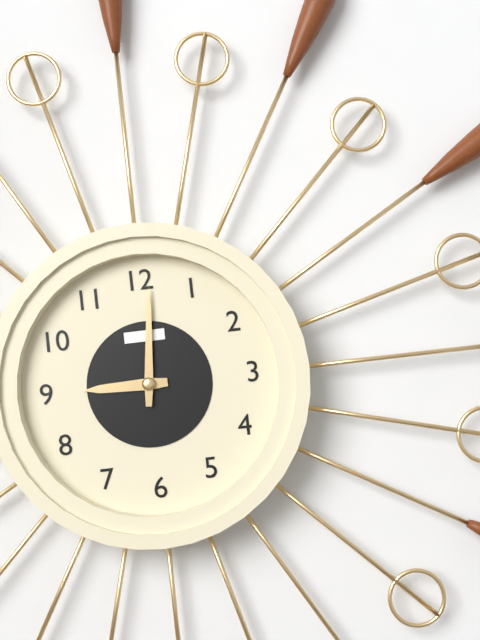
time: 9:01
